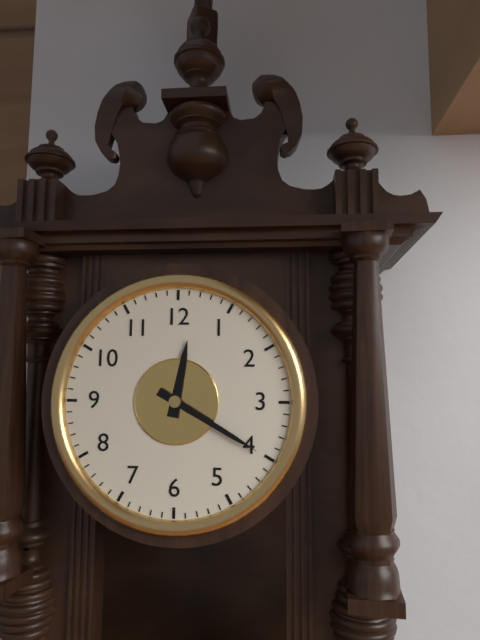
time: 12:20
